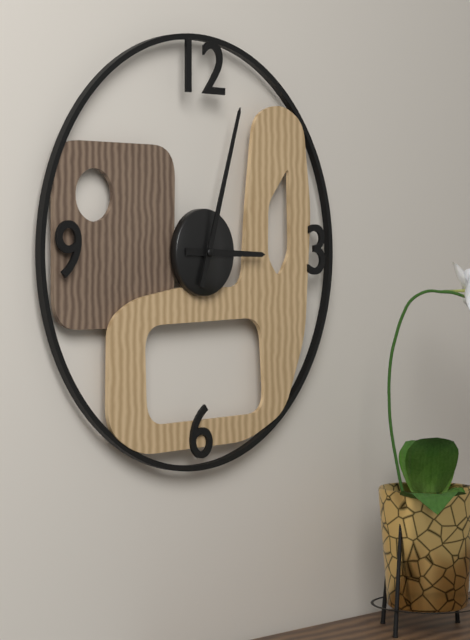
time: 3:03
